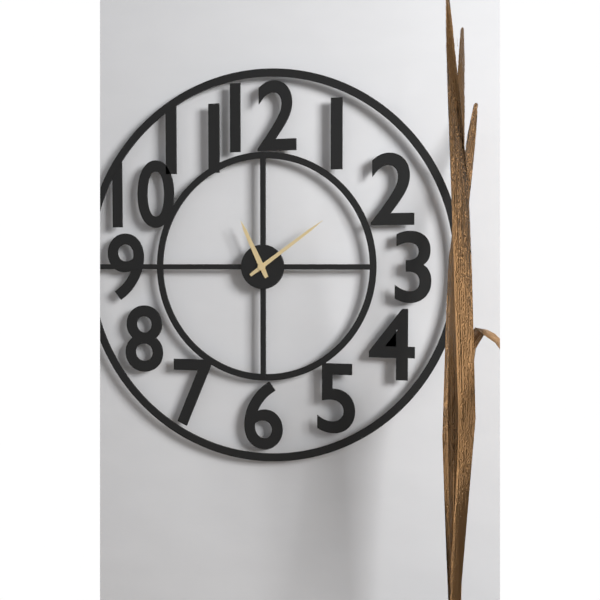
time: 11:09
